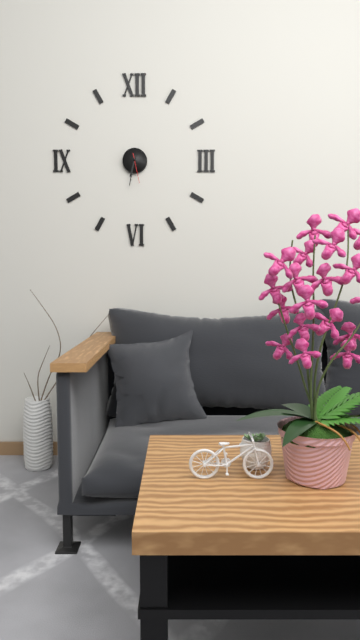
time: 6:32
